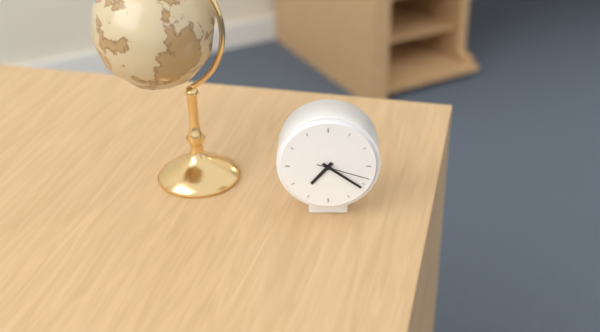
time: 7:21:18
